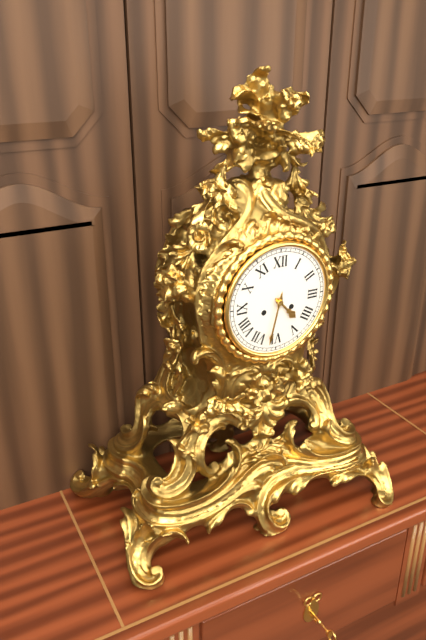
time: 4:32
